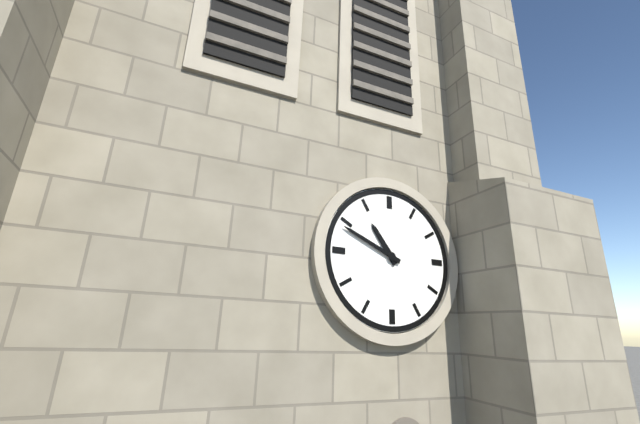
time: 10:49
